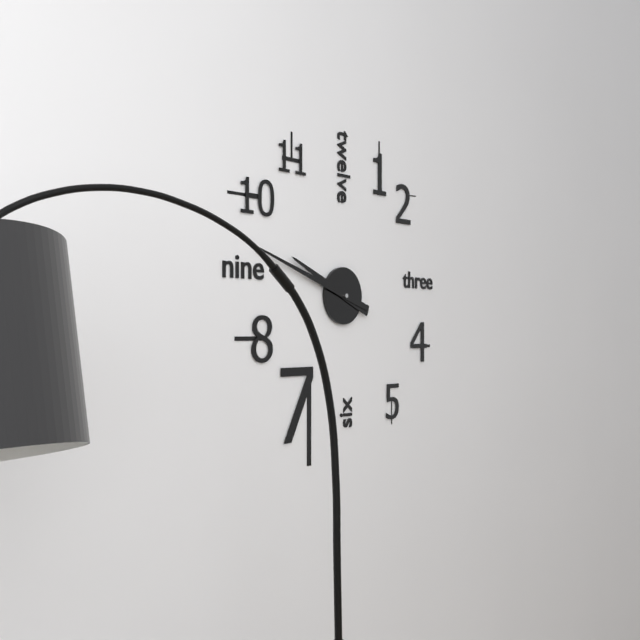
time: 9:48
